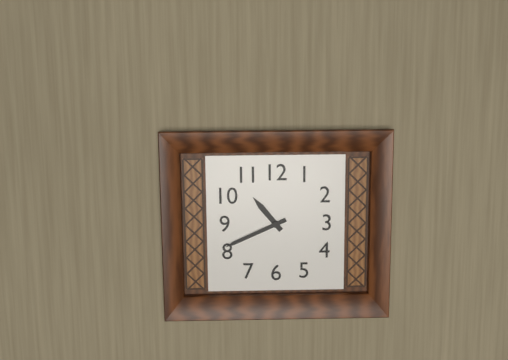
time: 10:41
